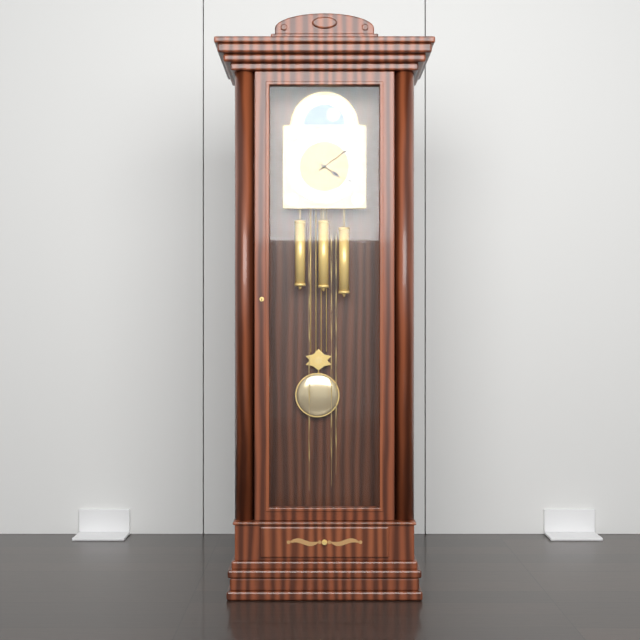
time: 4:09
